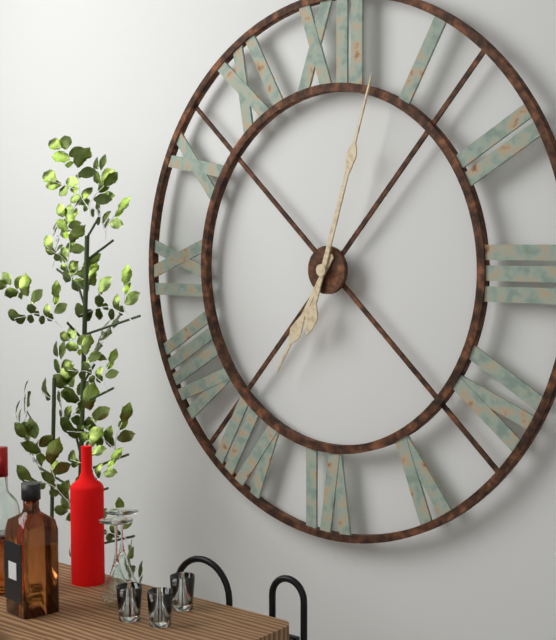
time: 7:03
